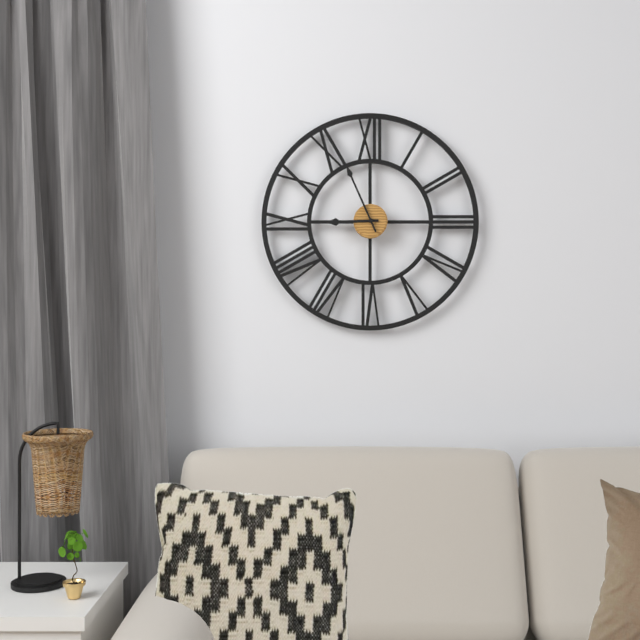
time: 8:56
